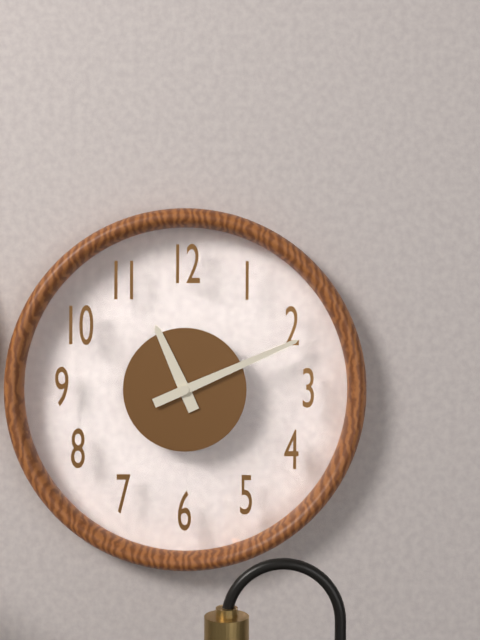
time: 11:11
